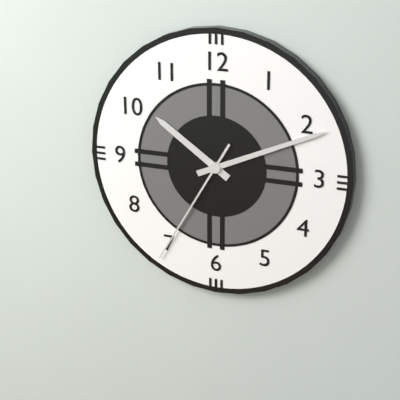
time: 10:11:35
